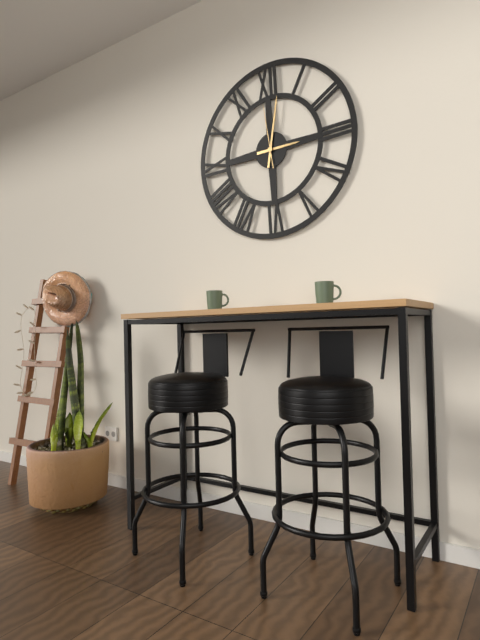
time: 3:02:59
